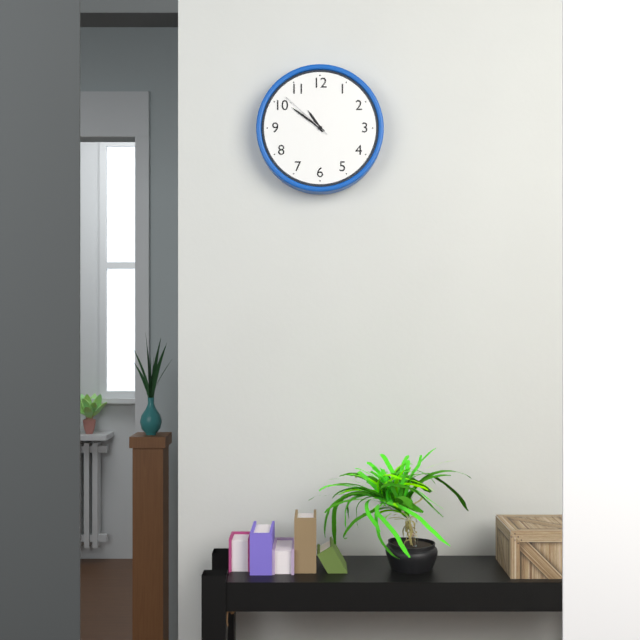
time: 10:51:52
